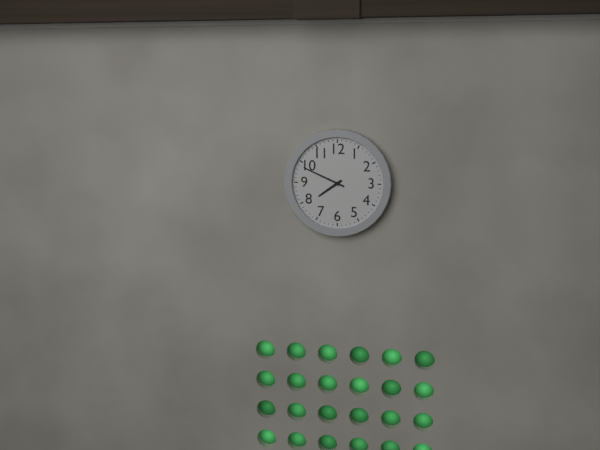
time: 7:49
